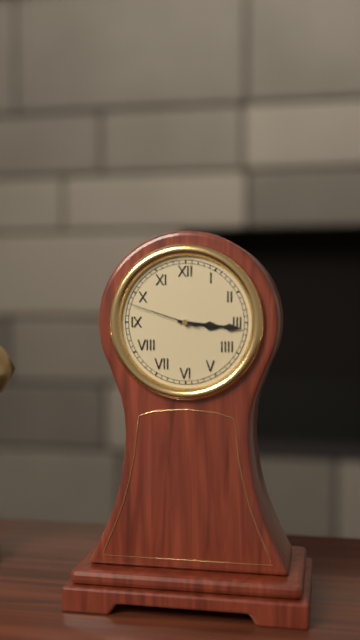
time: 3:16:48
